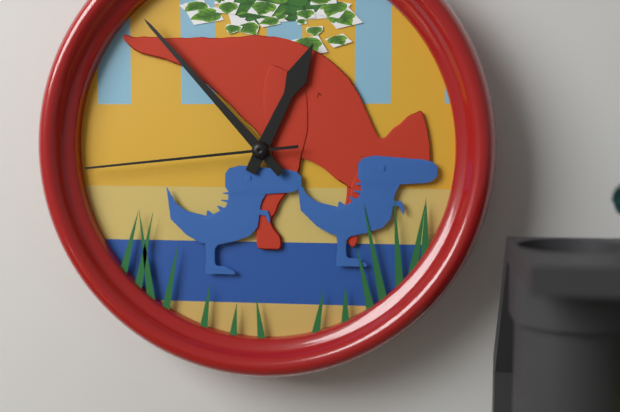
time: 12:53:44
